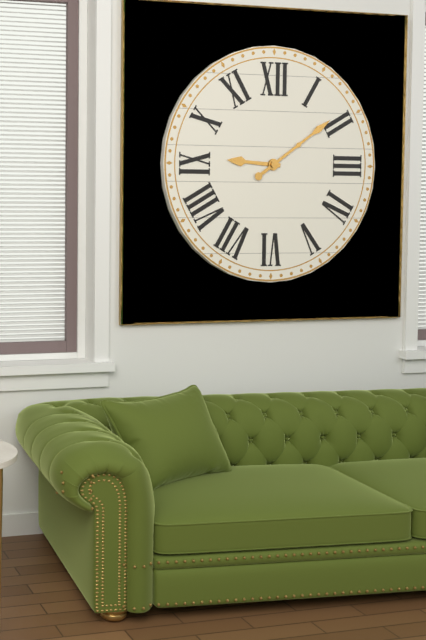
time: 9:09
